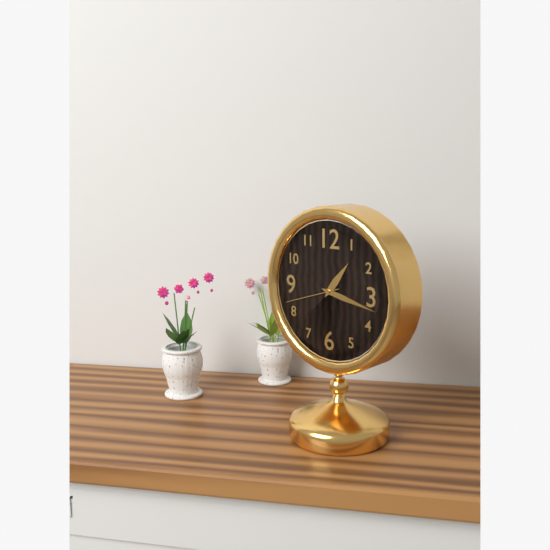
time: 1:17:42
